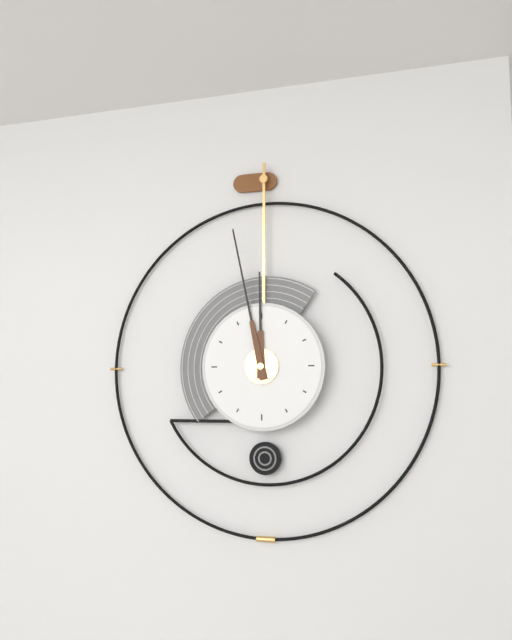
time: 11:58
